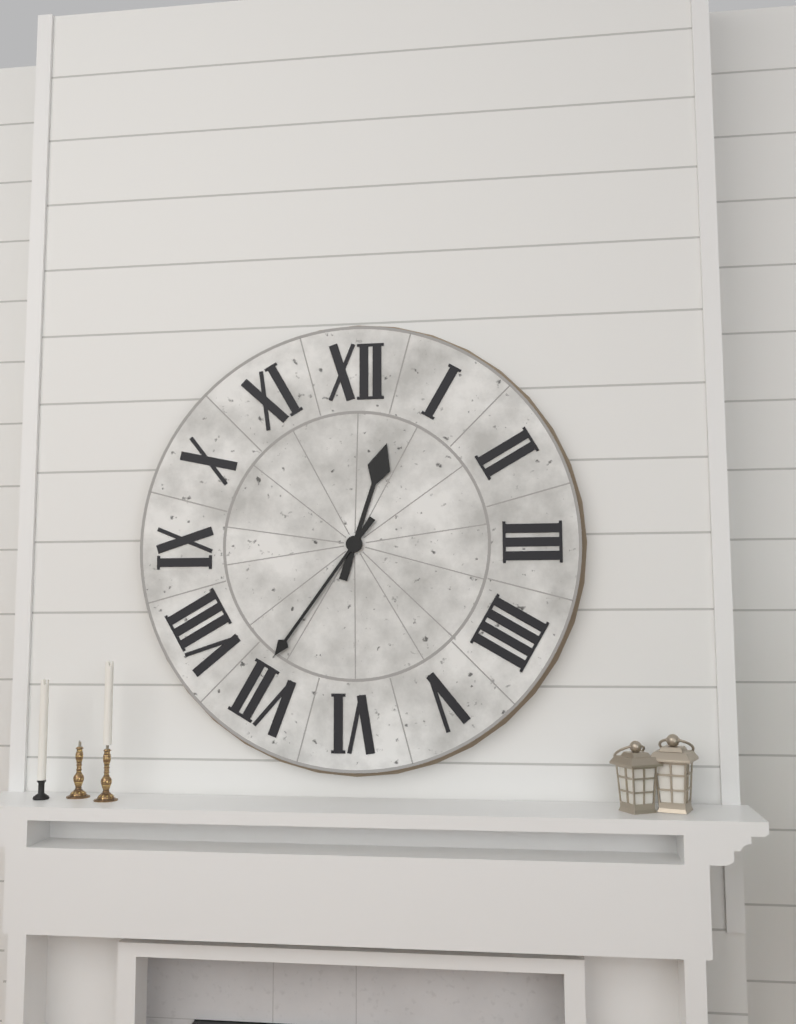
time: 12:36
